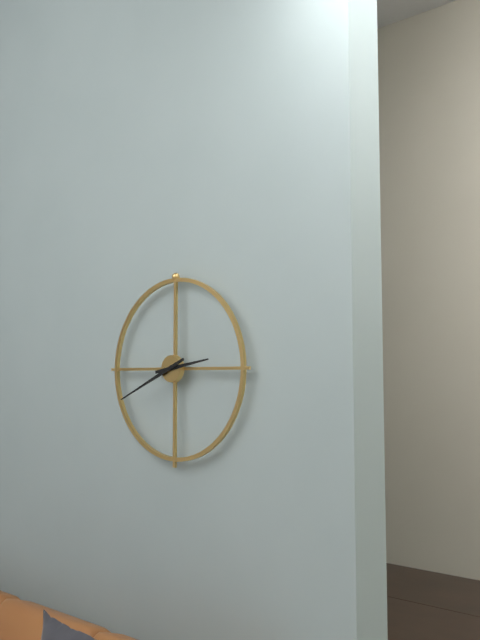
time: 2:41
